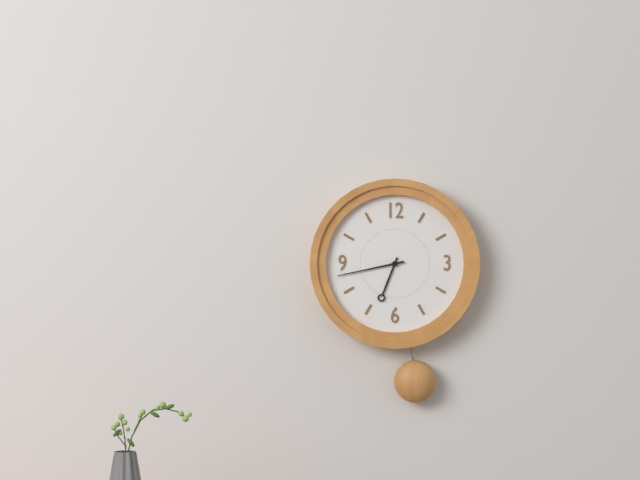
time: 6:43
